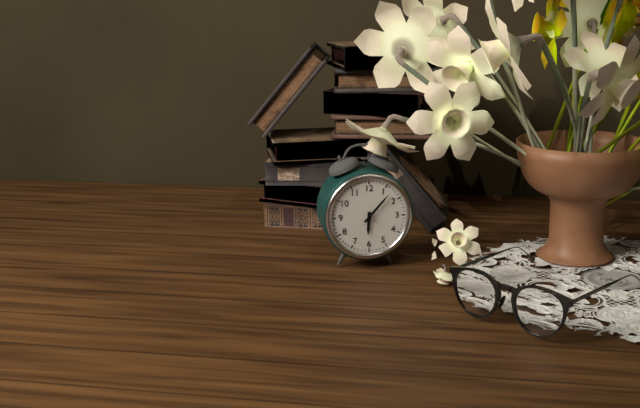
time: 6:07
